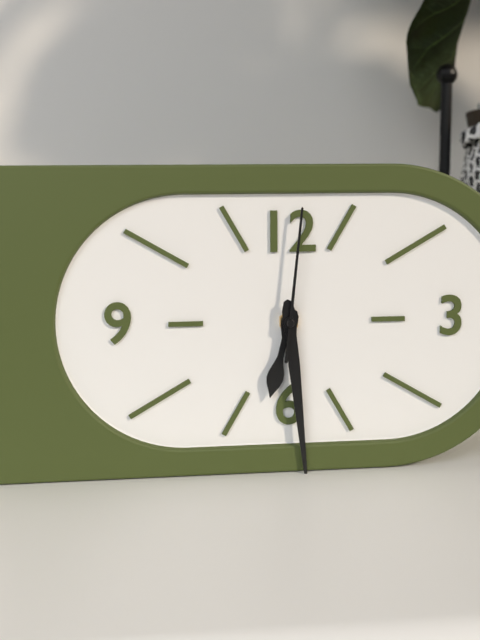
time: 6:29:01
